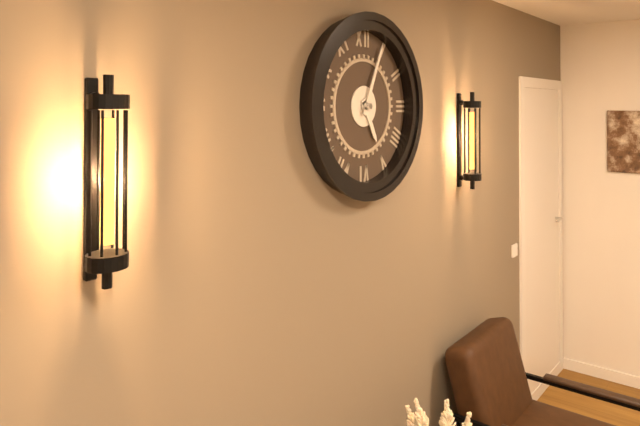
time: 5:04
